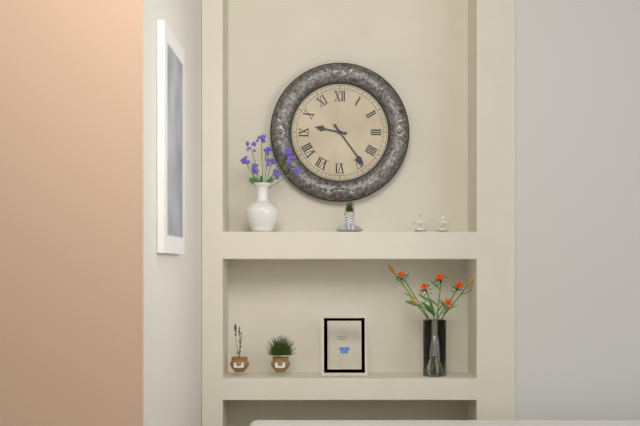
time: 9:24
